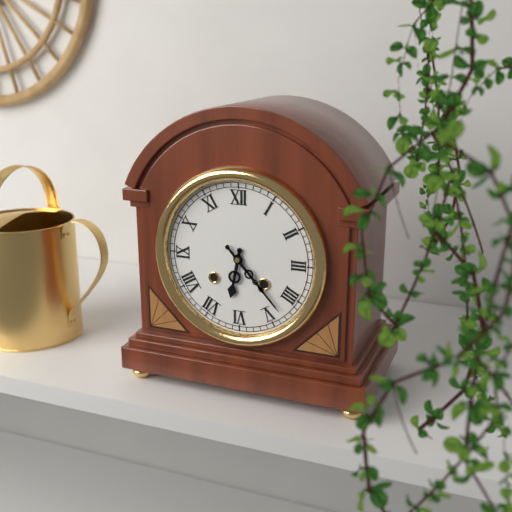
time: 6:23
